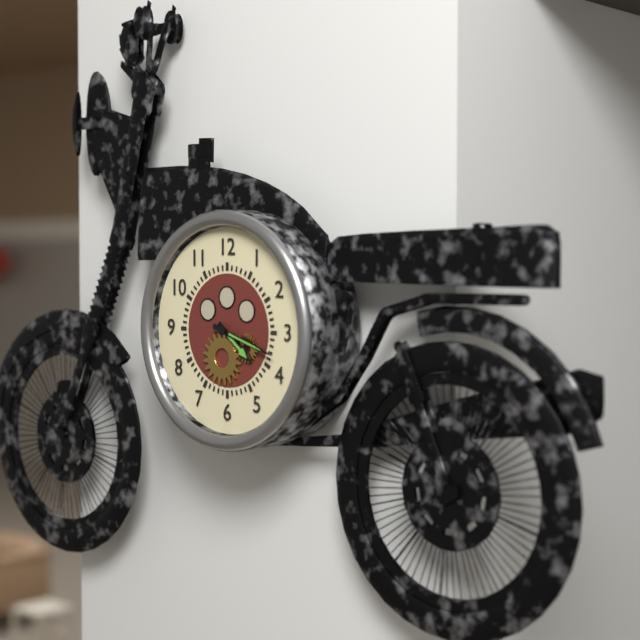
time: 4:18
